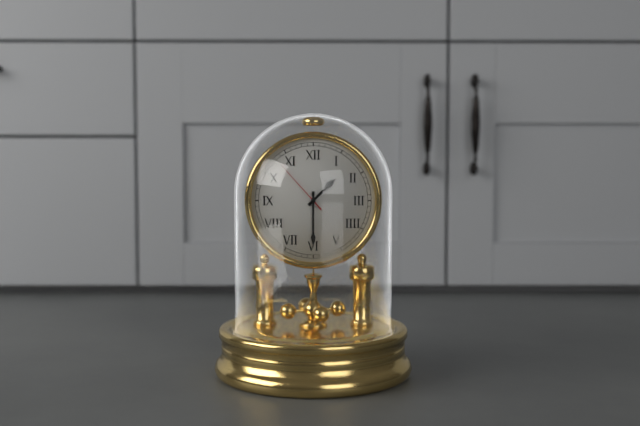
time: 1:30:53
